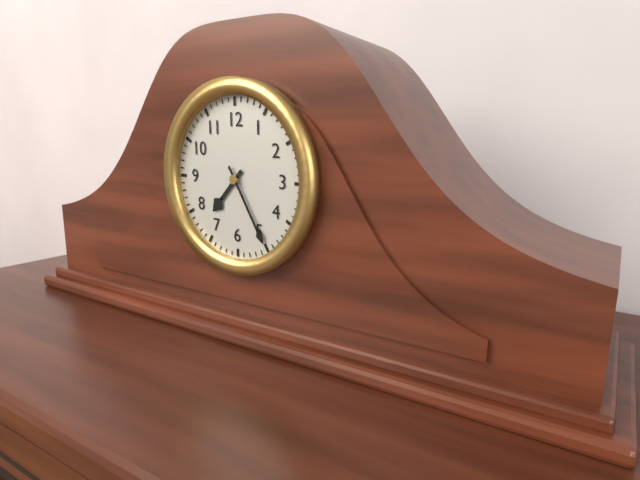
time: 7:25
